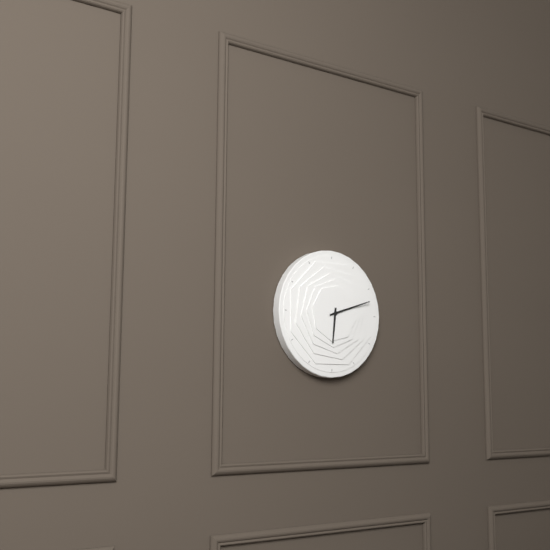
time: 6:12
